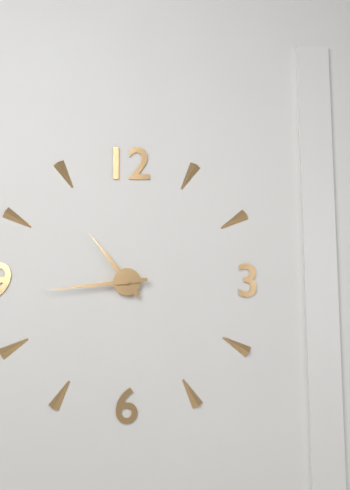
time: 10:44
